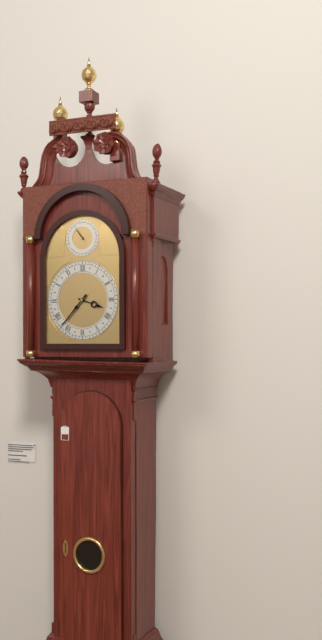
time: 3:37
